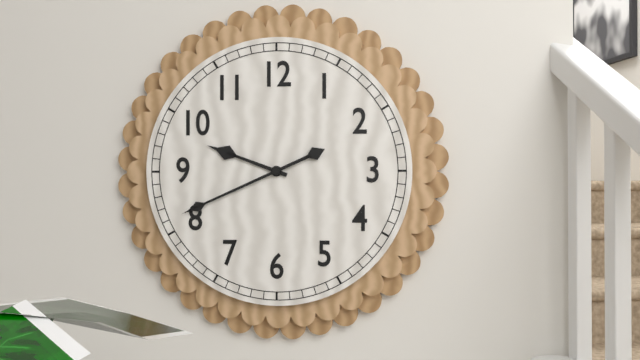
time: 9:41
